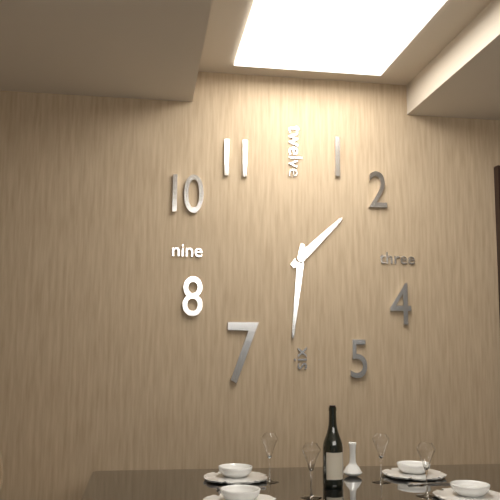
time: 1:31
